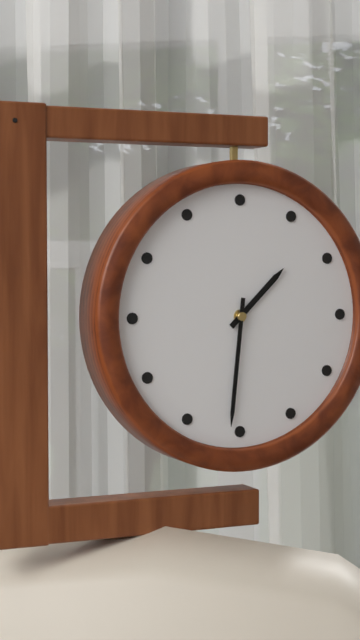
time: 1:31
